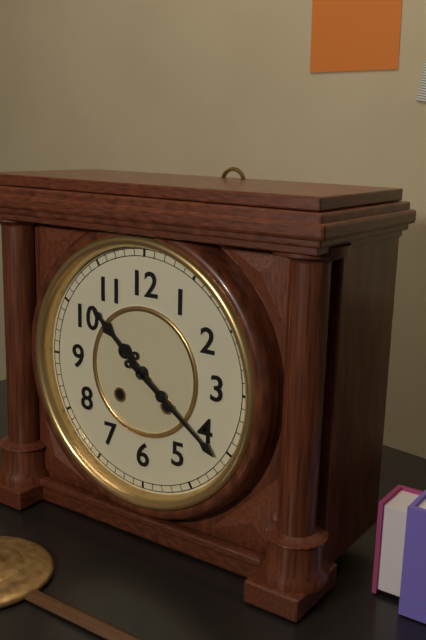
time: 10:21
